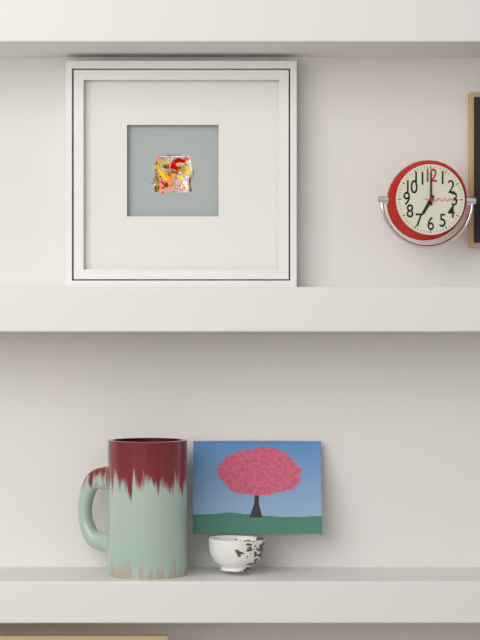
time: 7:00
